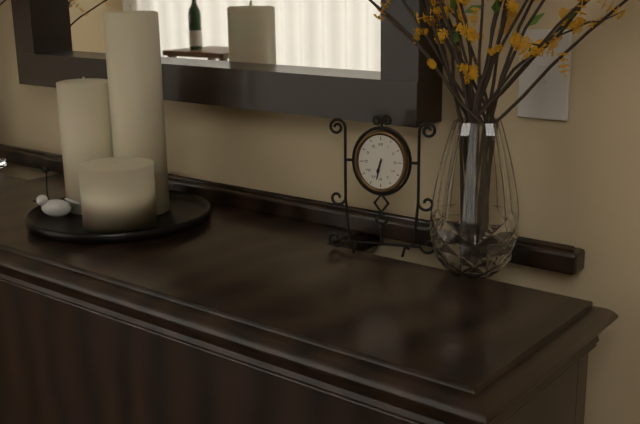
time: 6:32
